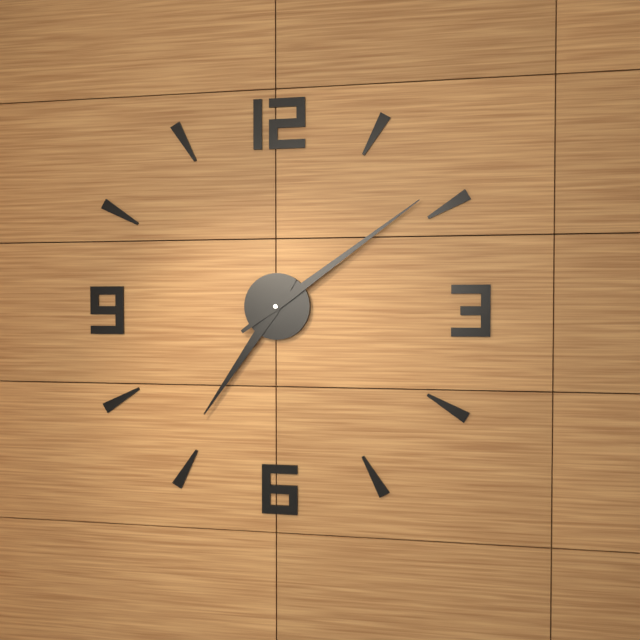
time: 7:09
